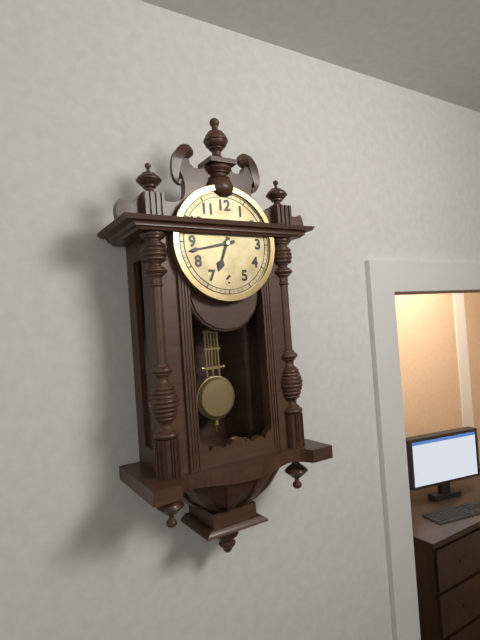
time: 6:43
